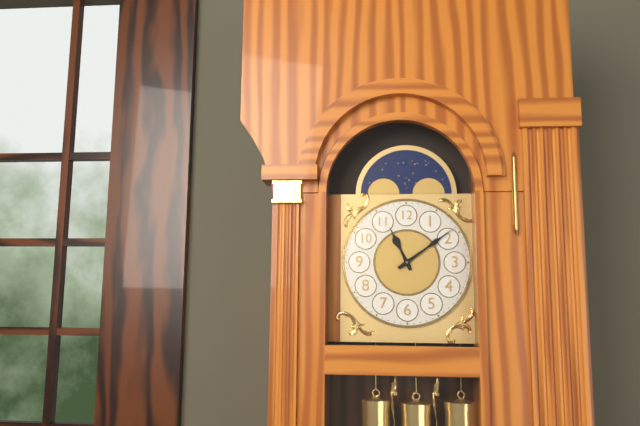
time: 11:09
